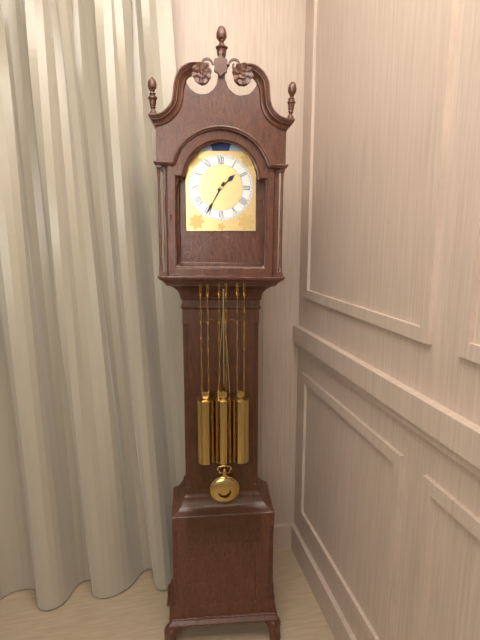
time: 1:35
